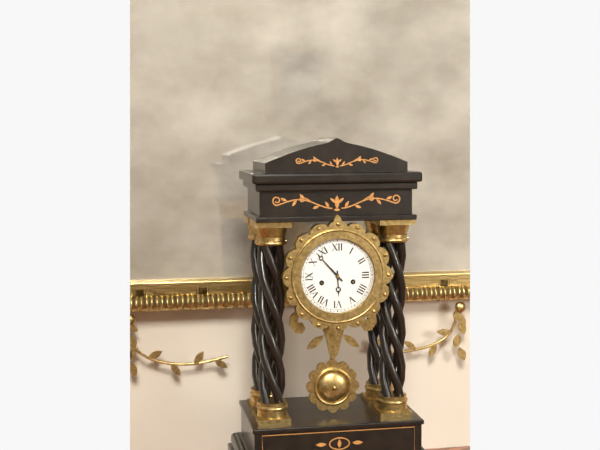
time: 5:53
